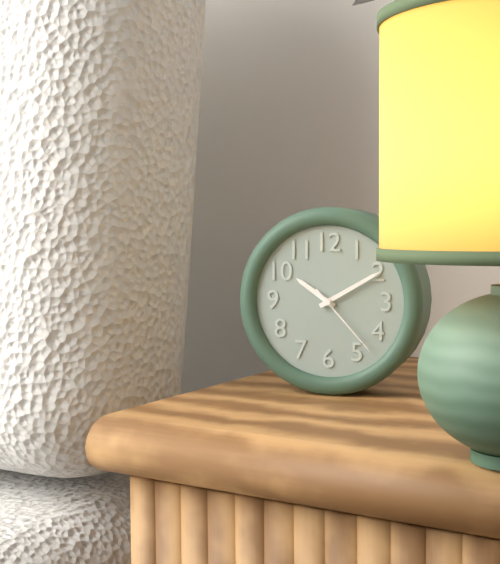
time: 10:10:23
